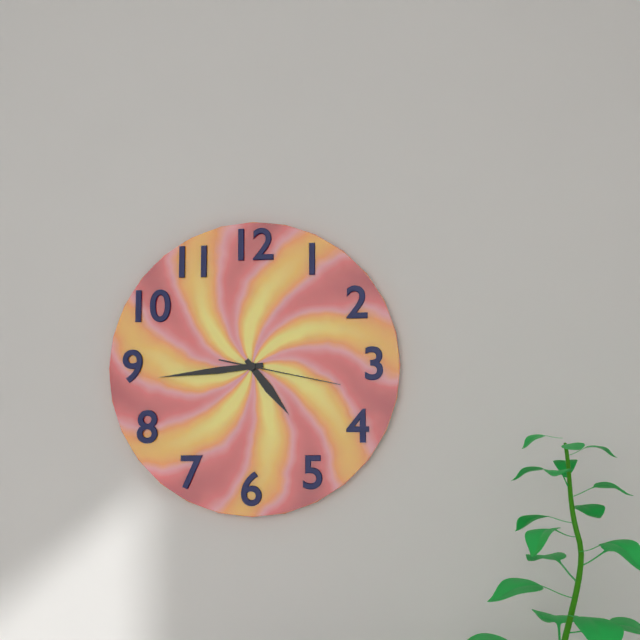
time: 4:44:17
